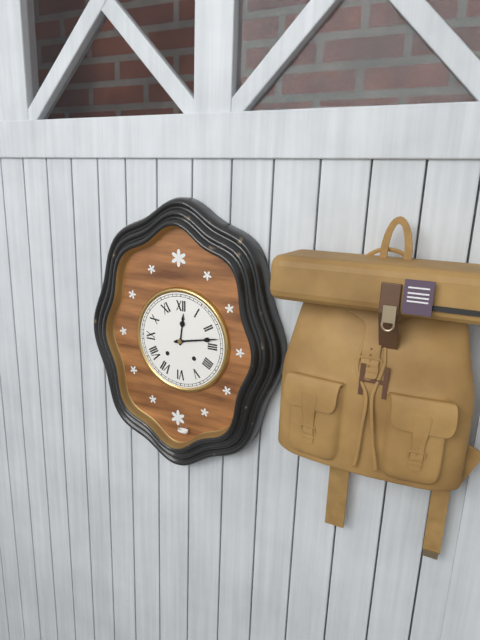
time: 12:13
